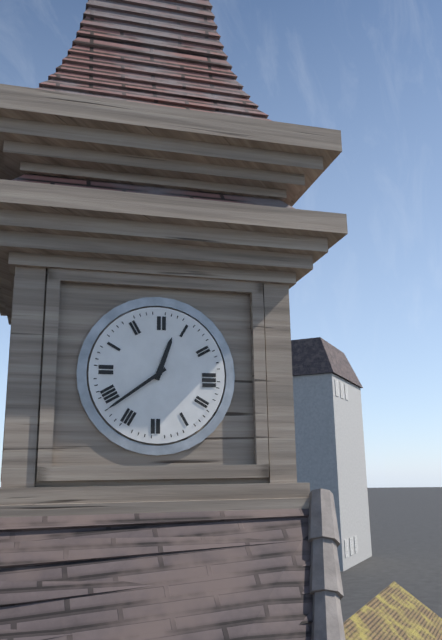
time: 12:39
